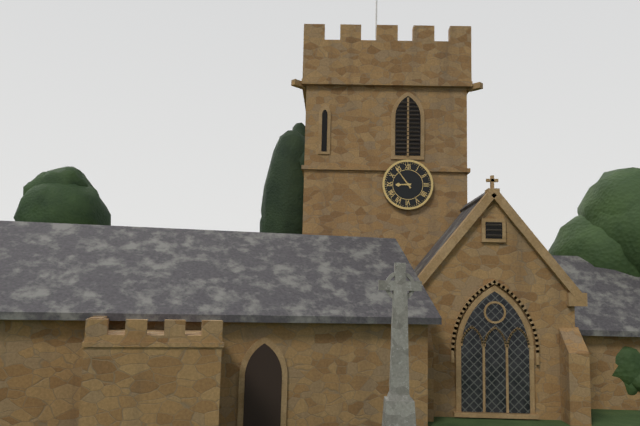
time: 8:54
